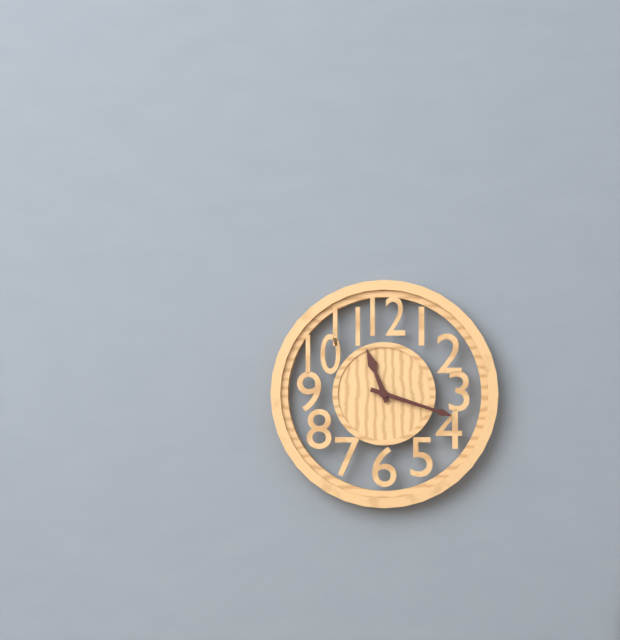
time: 11:18
